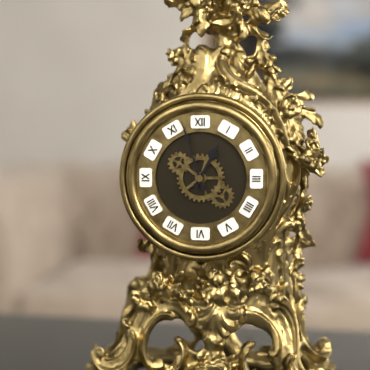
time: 12:57
